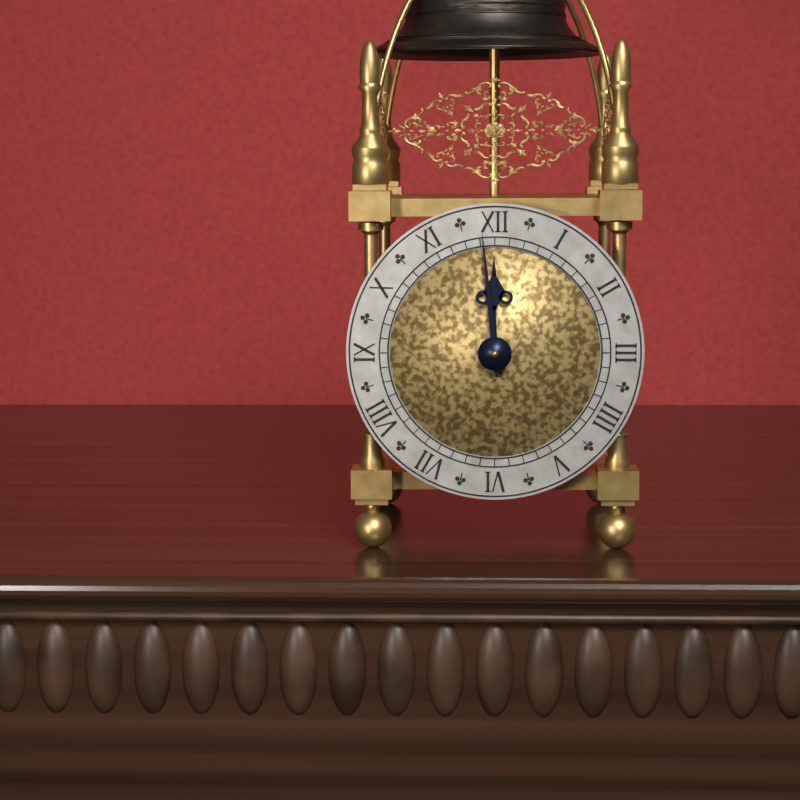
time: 11:59
